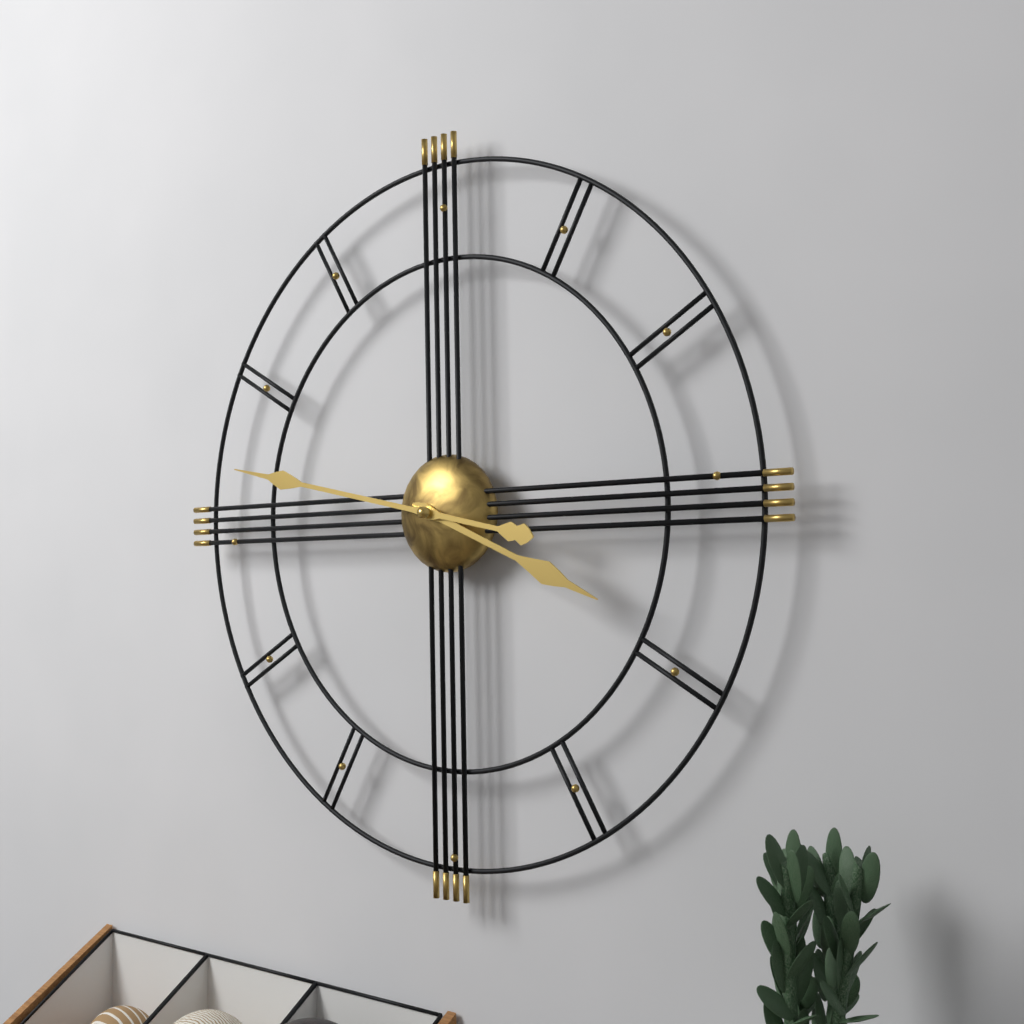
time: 3:47
